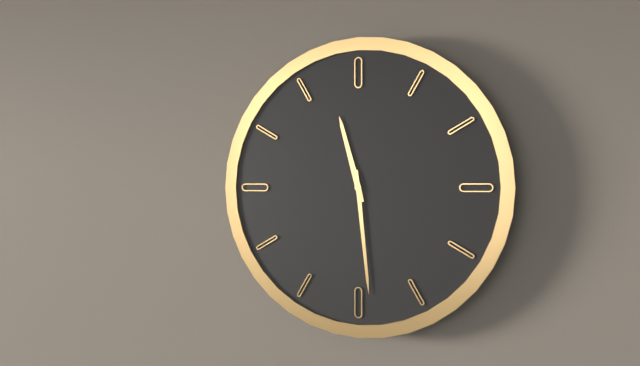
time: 11:29
